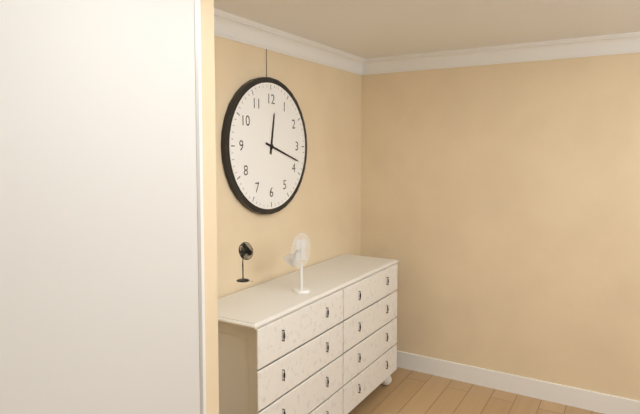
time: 12:18
